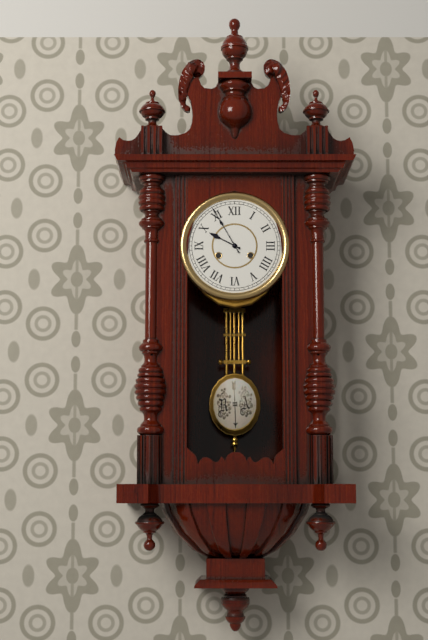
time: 9:55
